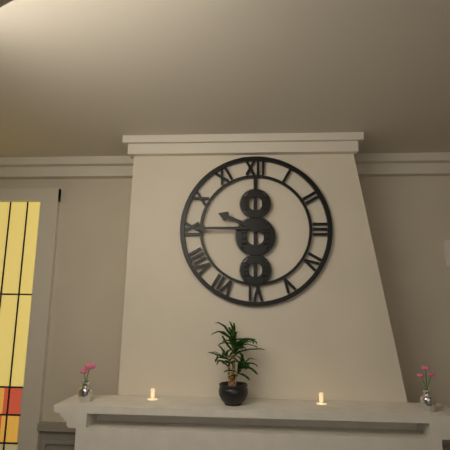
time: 9:45
